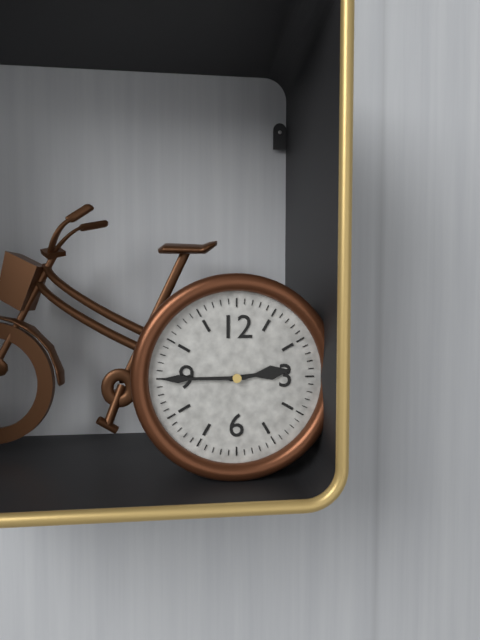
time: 2:45
